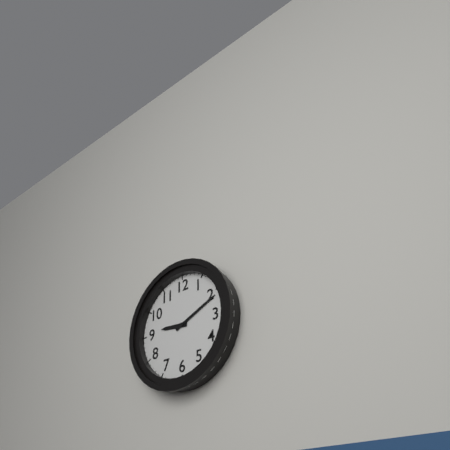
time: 9:11
